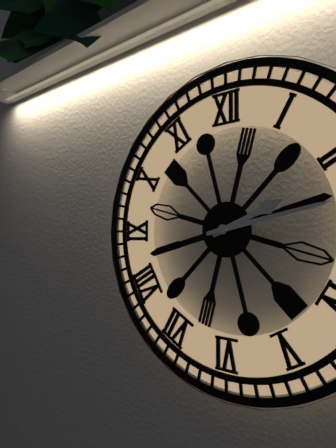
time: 2:13
